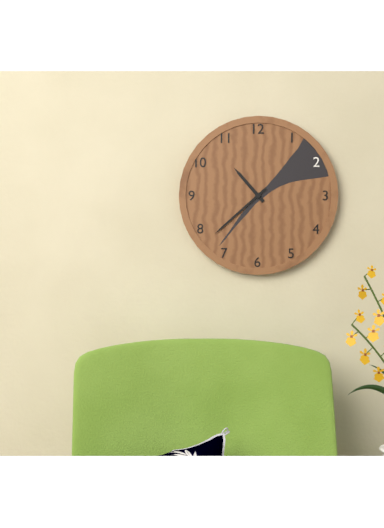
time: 10:38
